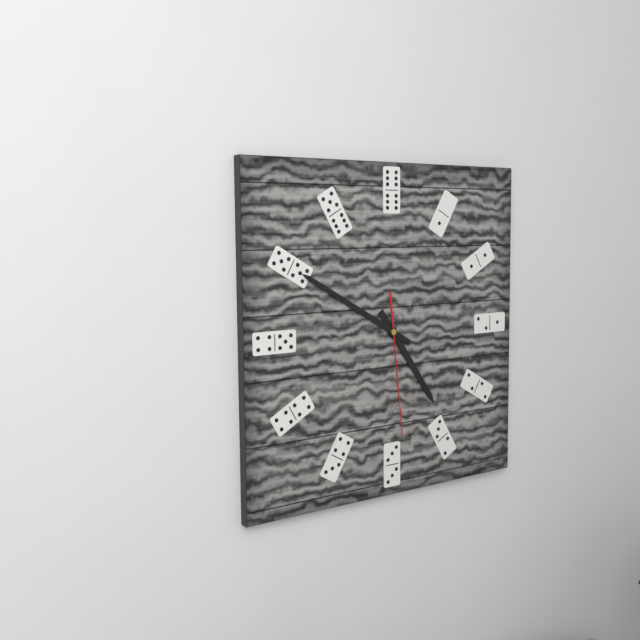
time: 4:50:29
